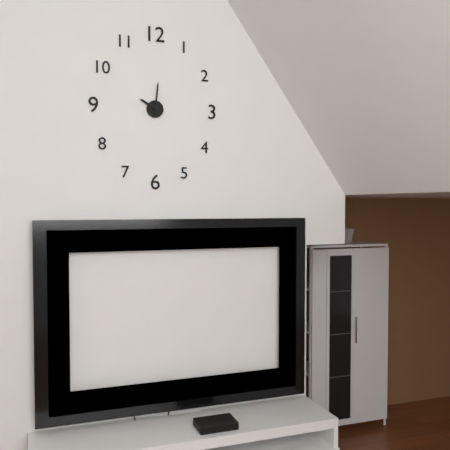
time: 10:01
